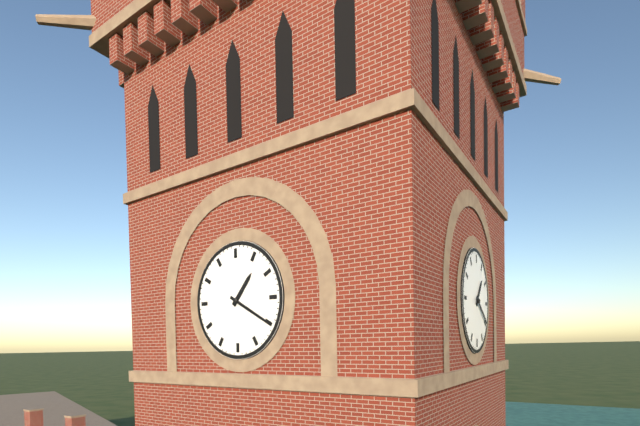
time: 1:20
